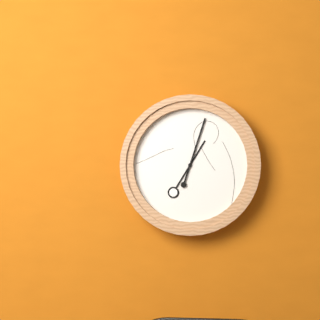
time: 1:03
